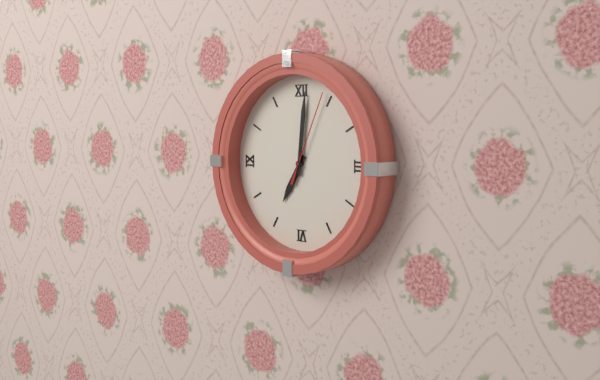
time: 7:01:04
